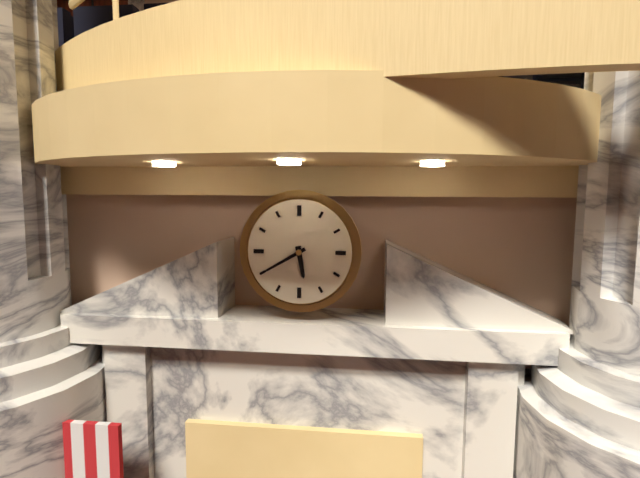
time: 5:40
